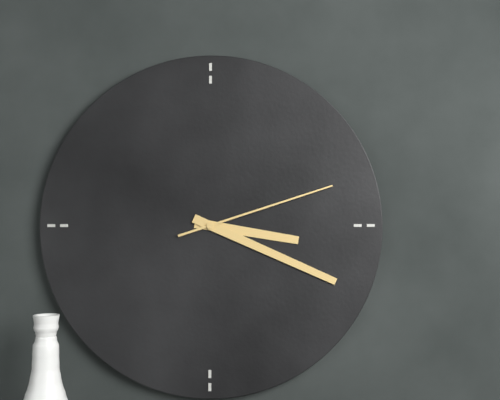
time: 3:19:12
